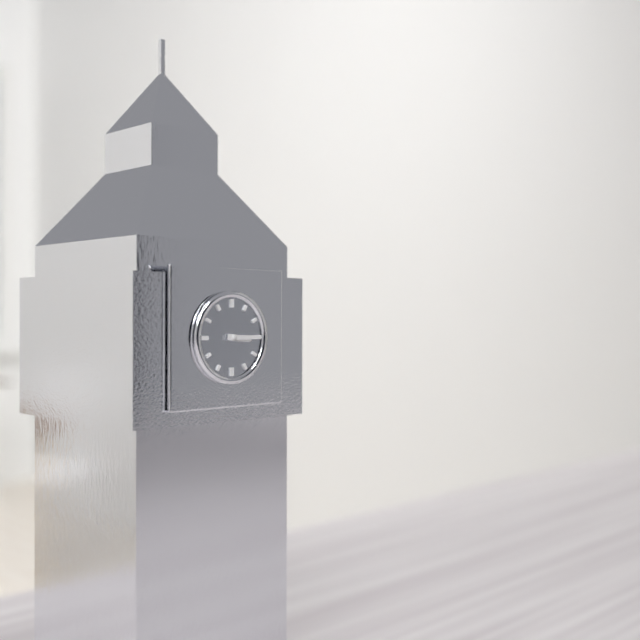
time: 3:15
